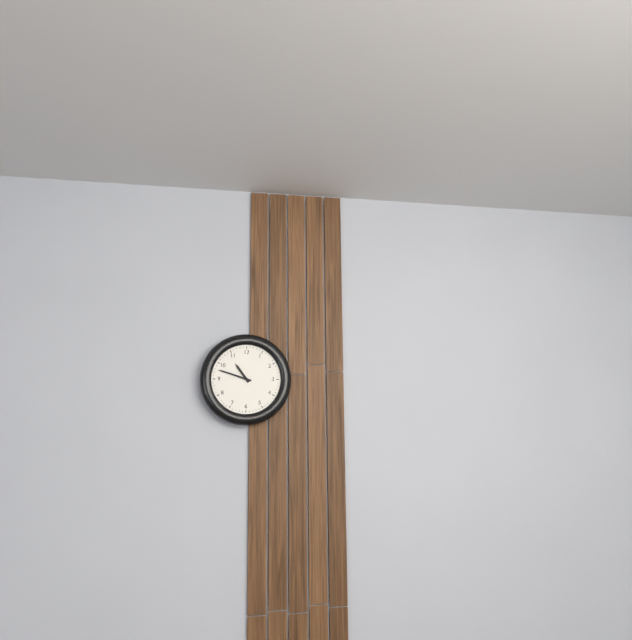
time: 10:48
